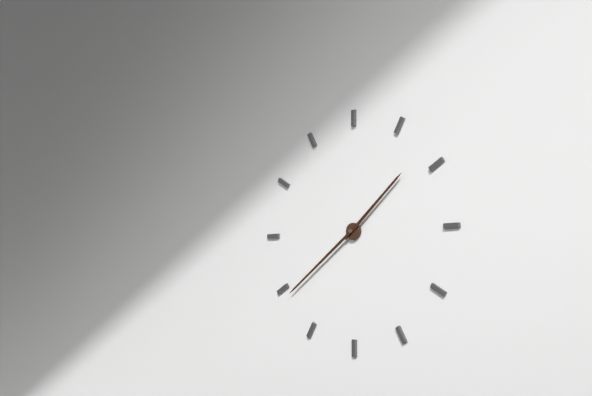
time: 1:39
